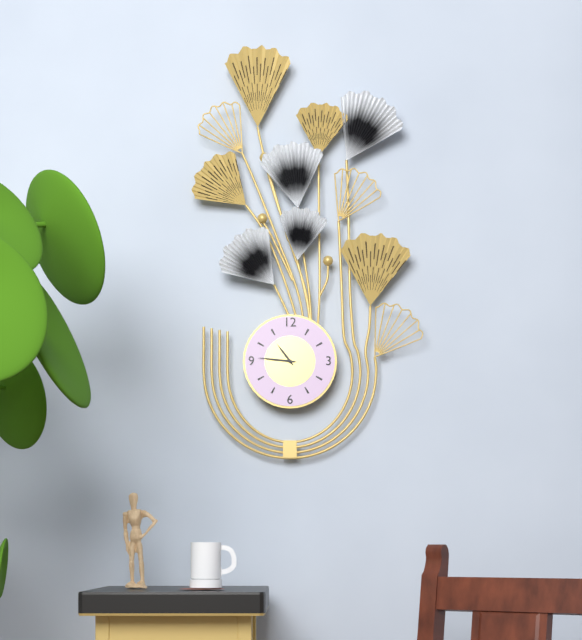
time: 10:46
